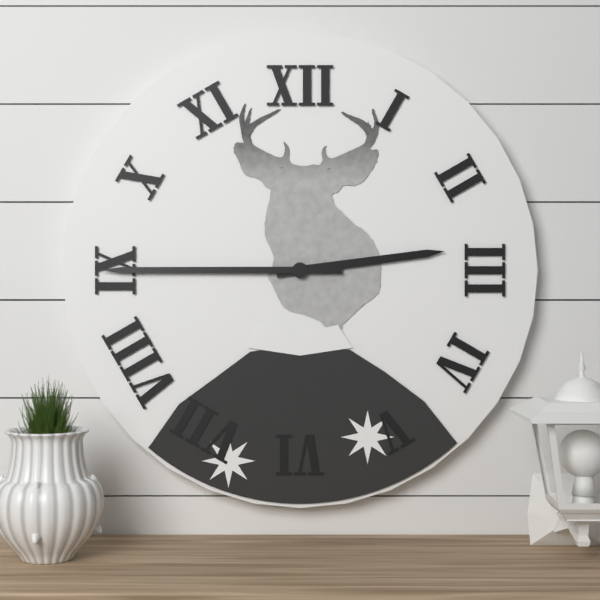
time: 2:45
